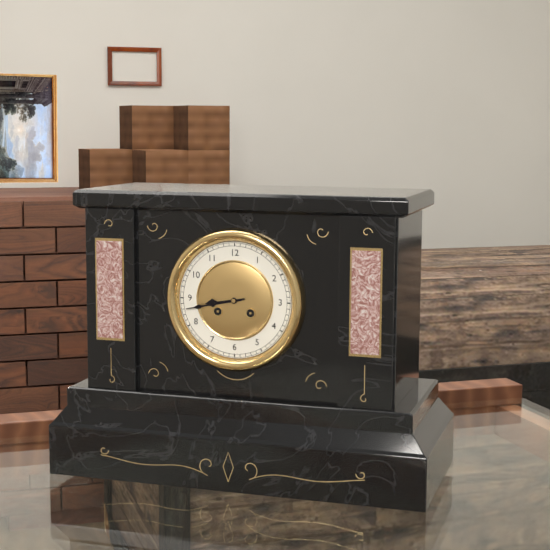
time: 8:43
